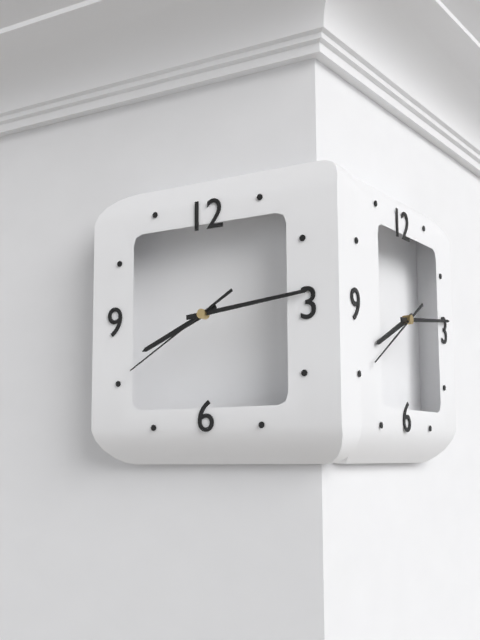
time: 8:14:40
